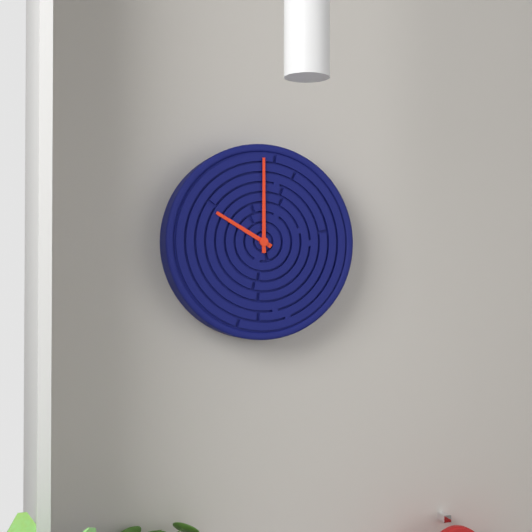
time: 10:00
